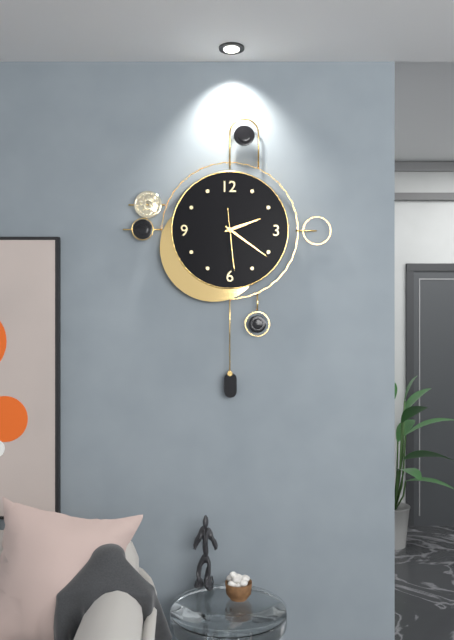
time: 2:21:29
